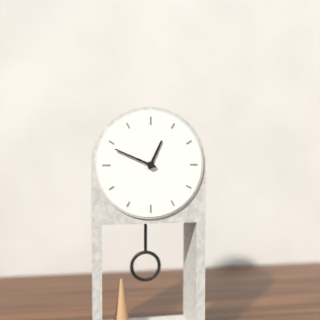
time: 12:49
